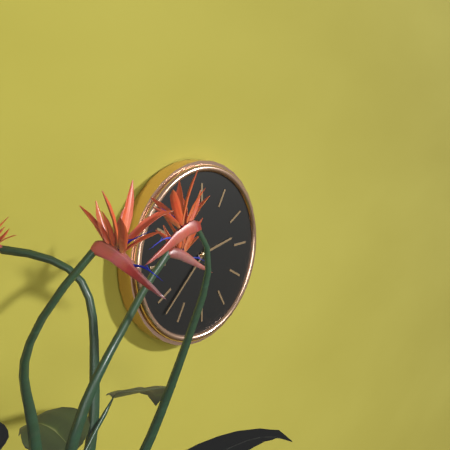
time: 2:38
